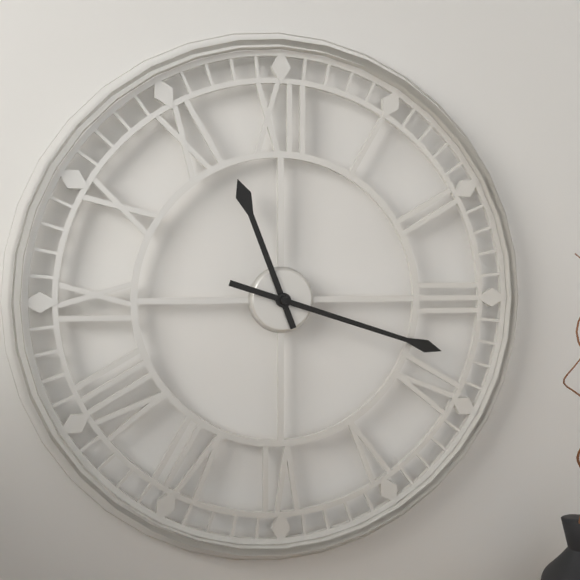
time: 11:18
